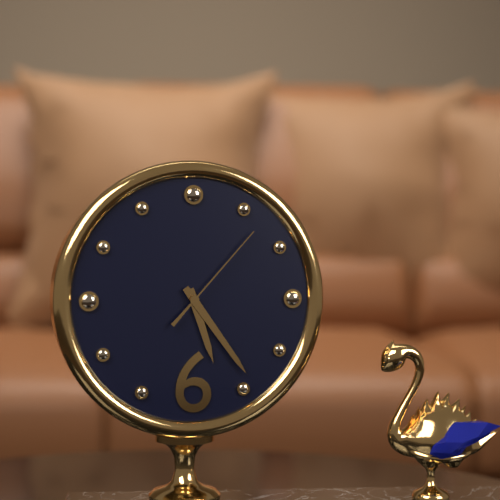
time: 5:24:07
